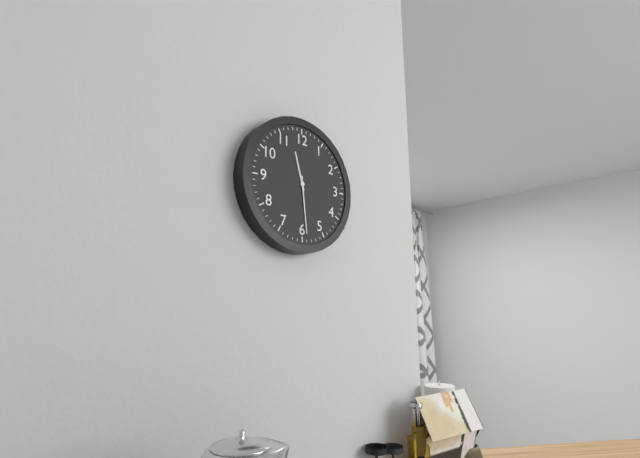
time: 11:29
